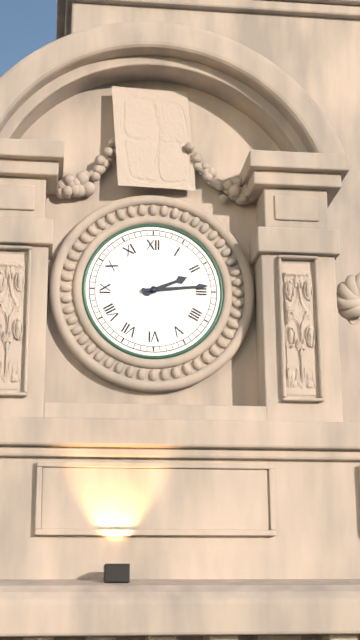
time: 2:14
